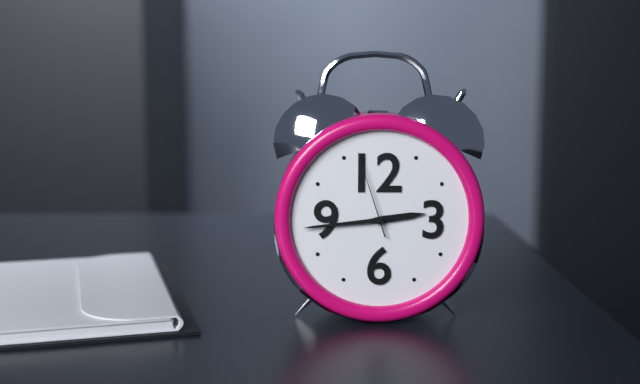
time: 2:44:57
